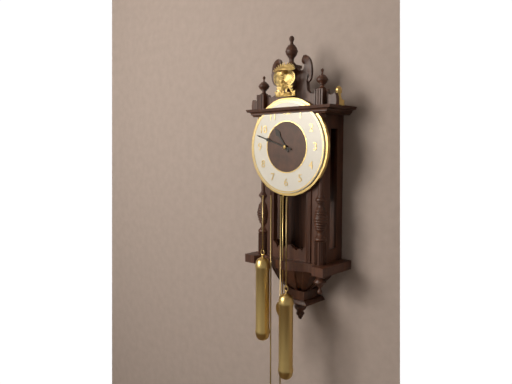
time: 10:48
